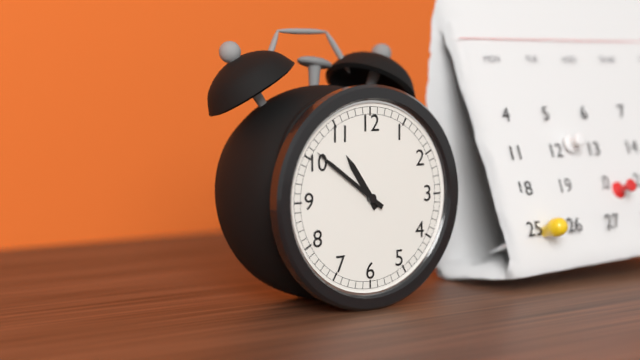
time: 10:51
